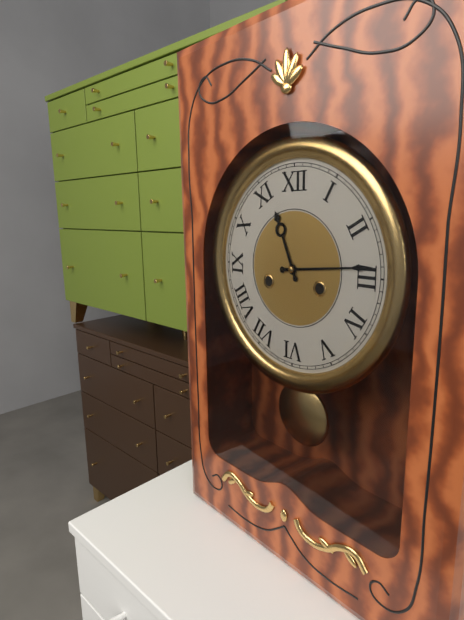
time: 11:14
